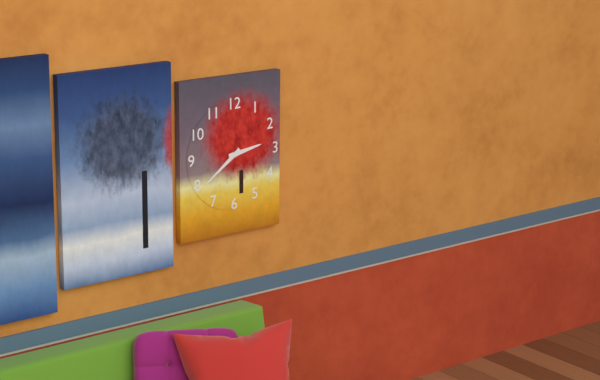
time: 2:39
